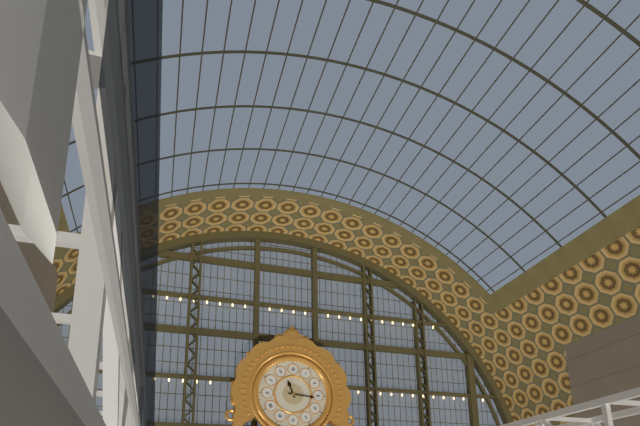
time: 11:16
